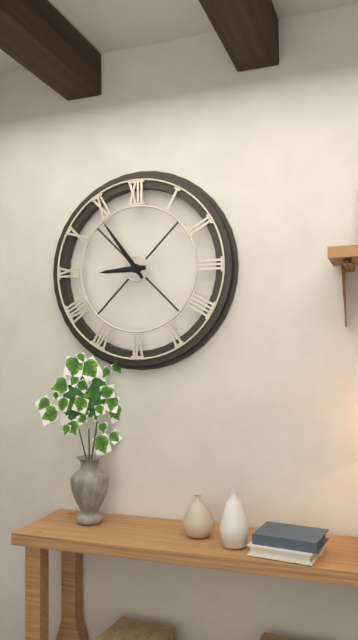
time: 8:54
